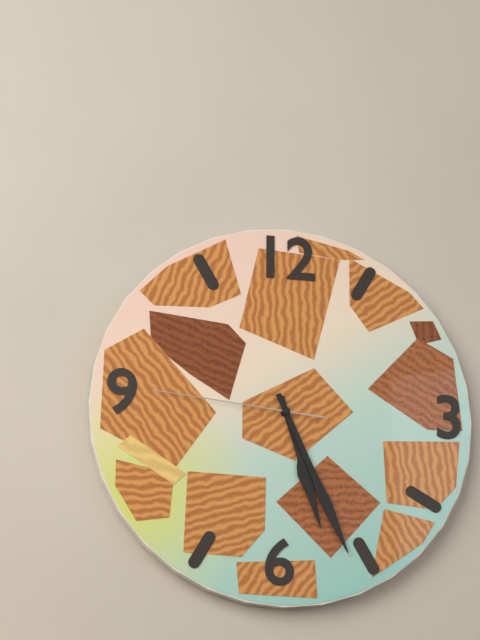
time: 5:26:46
